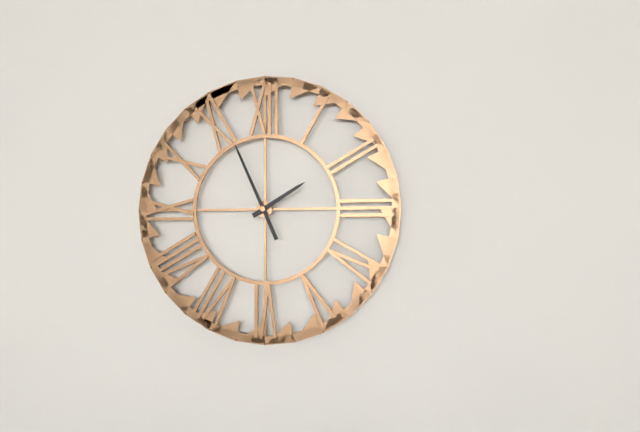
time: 1:56
